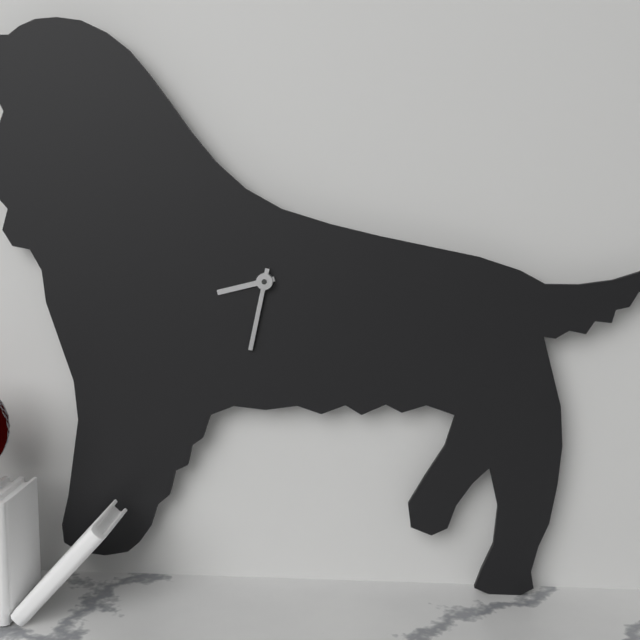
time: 8:32
